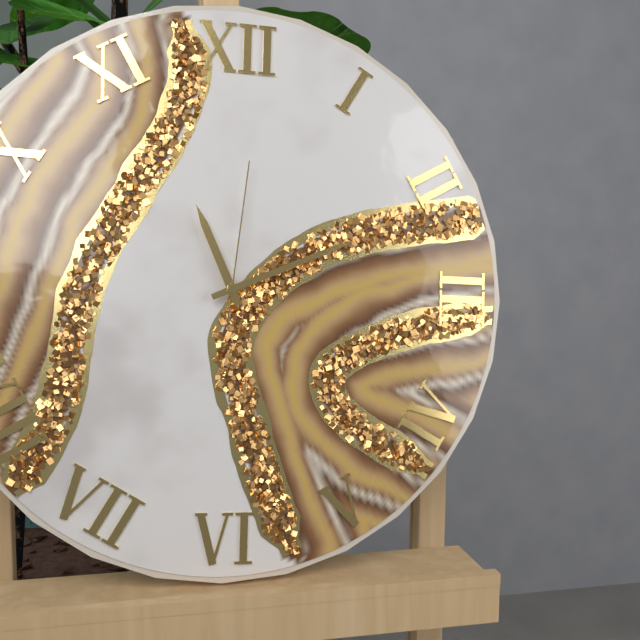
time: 11:11:01
